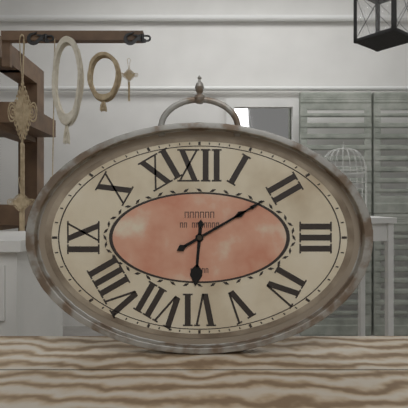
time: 6:10
